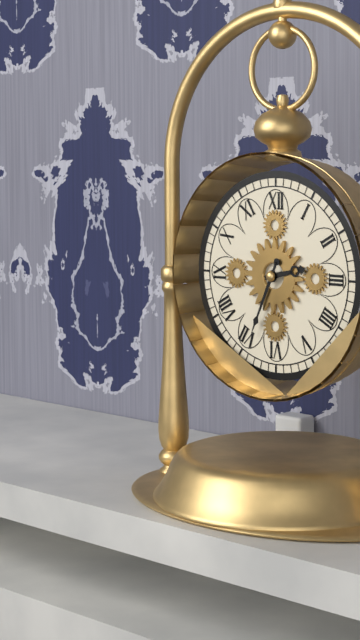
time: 2:34
